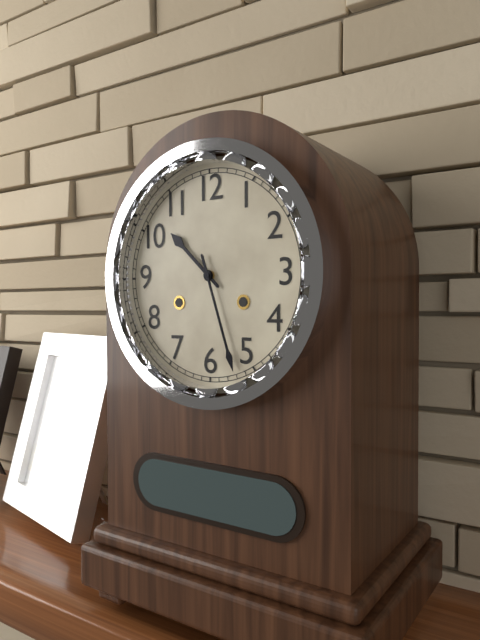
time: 10:27
